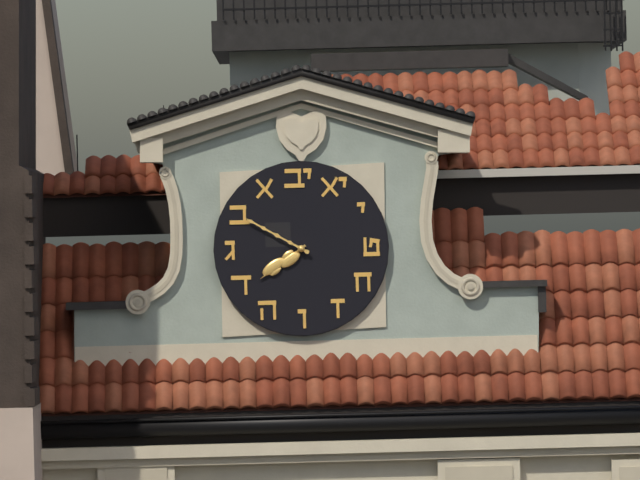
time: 7:50
